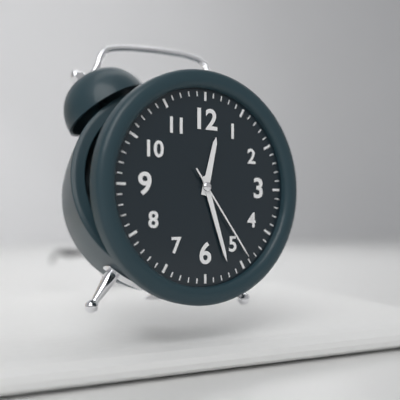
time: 12:27:24
